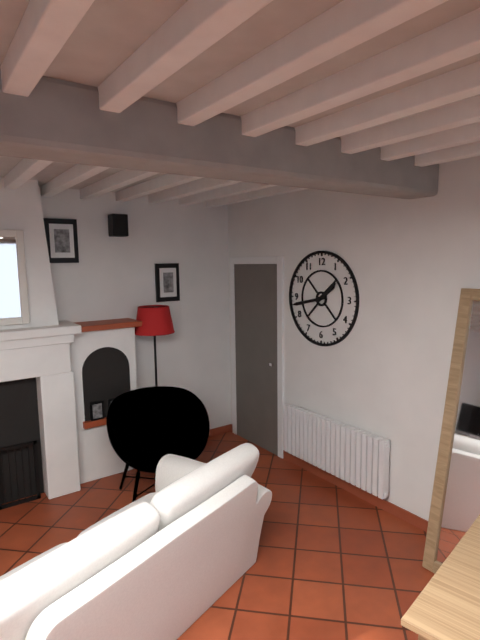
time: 1:43
